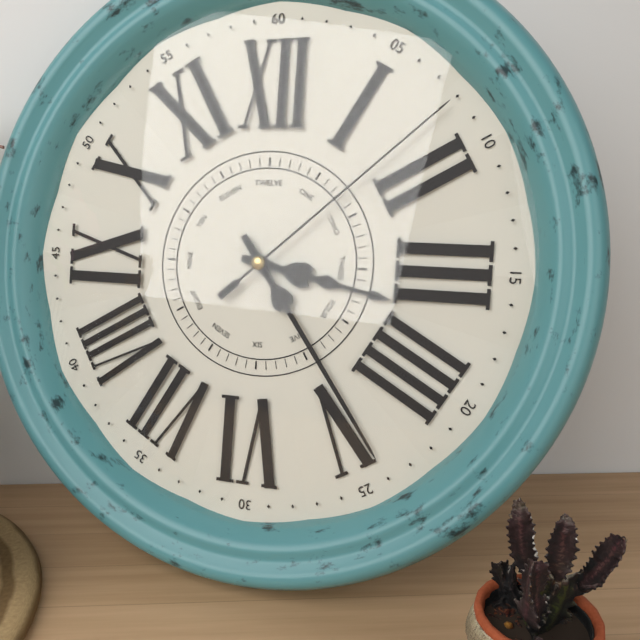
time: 3:24:08
